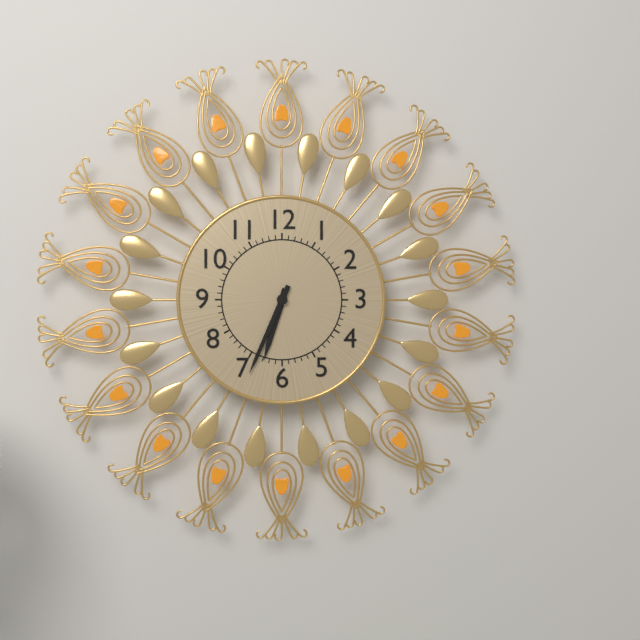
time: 6:34
